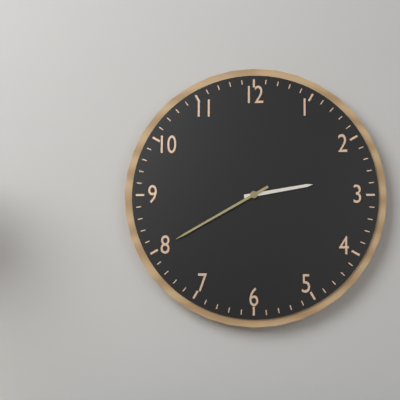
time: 2:40
